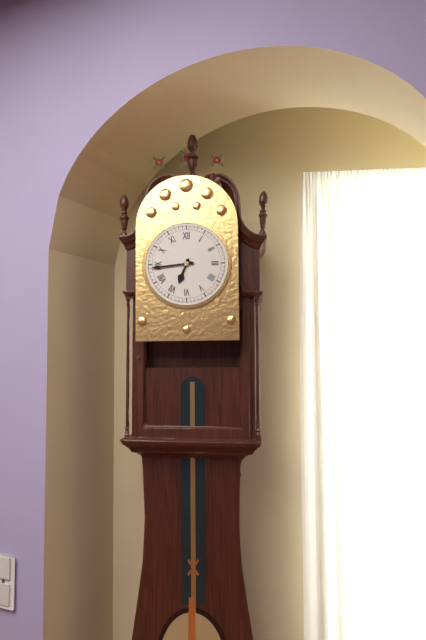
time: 6:44
